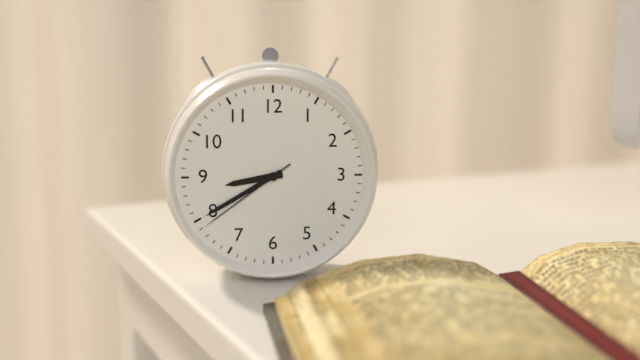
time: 8:40:39
